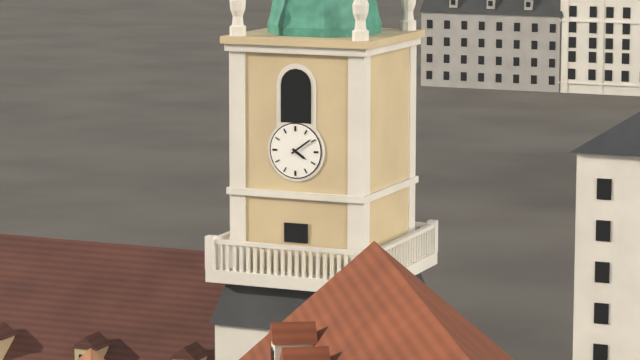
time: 4:09
